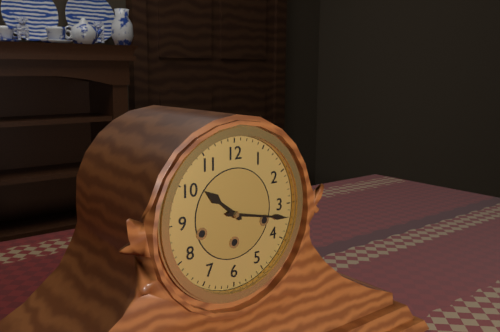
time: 10:17
